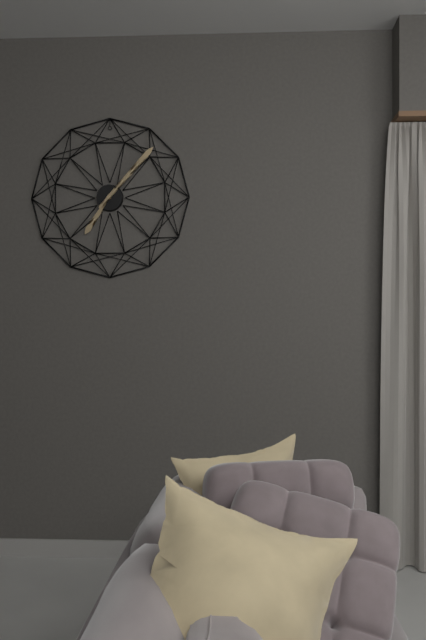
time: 7:07
